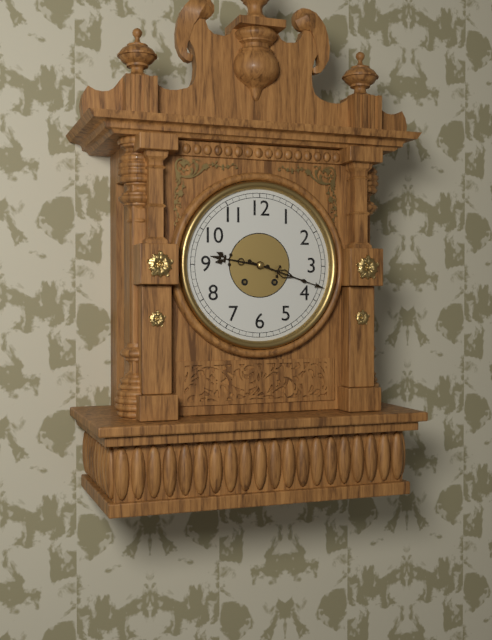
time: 9:18
